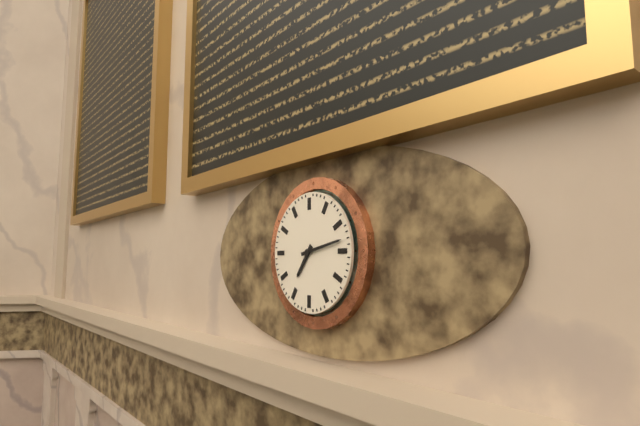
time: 7:13
